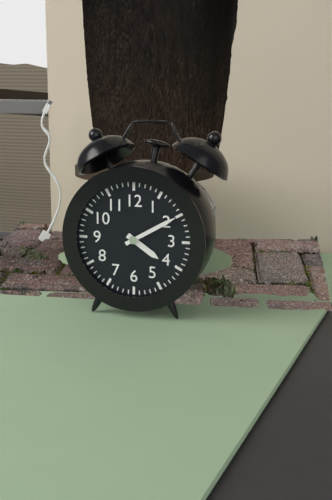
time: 4:10
